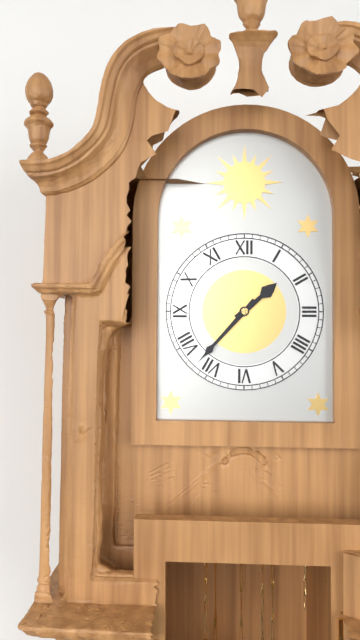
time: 1:37
